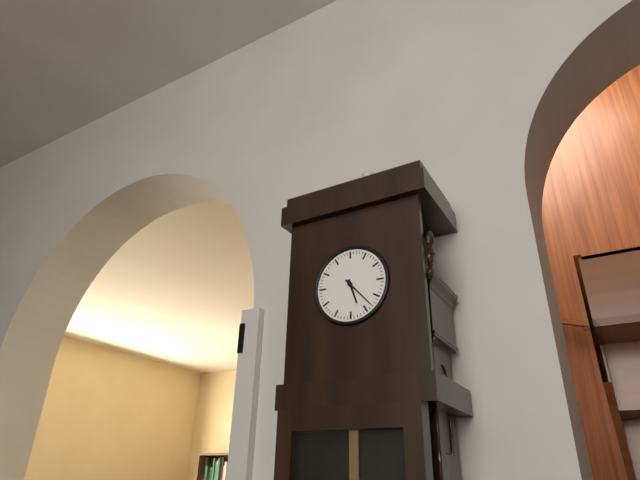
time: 5:23
